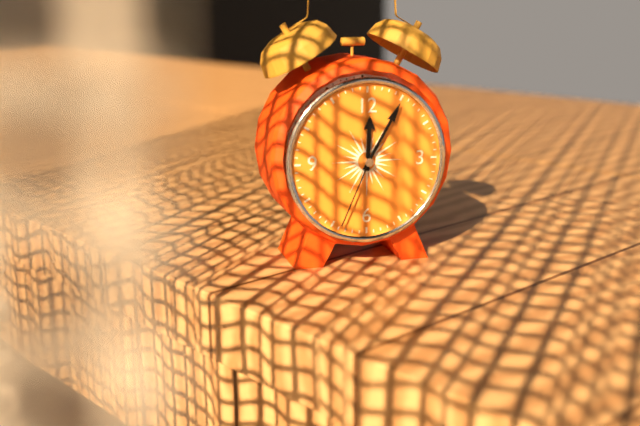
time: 12:05:34
